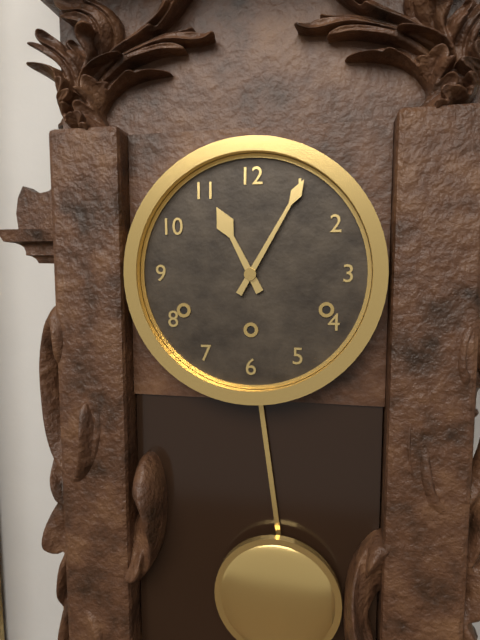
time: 11:05
